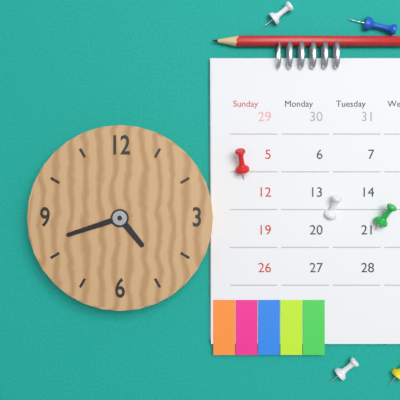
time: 4:42
